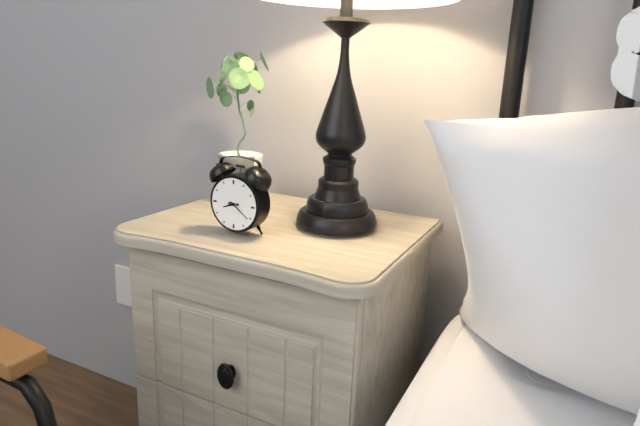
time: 8:21
